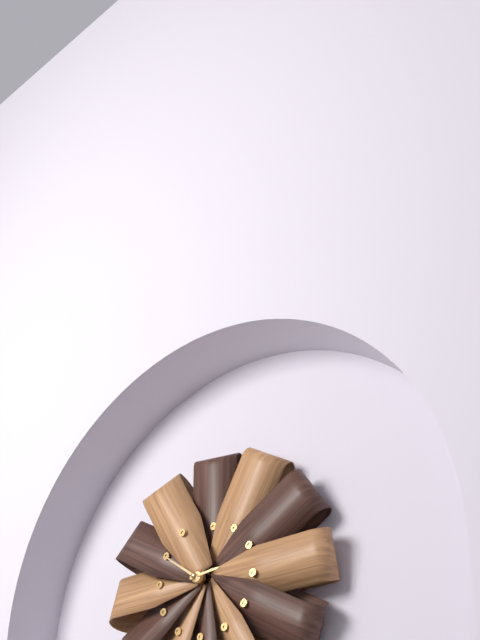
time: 2:51
